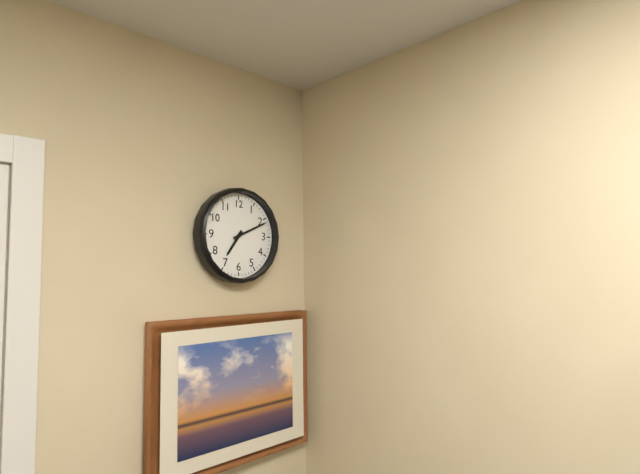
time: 7:11
